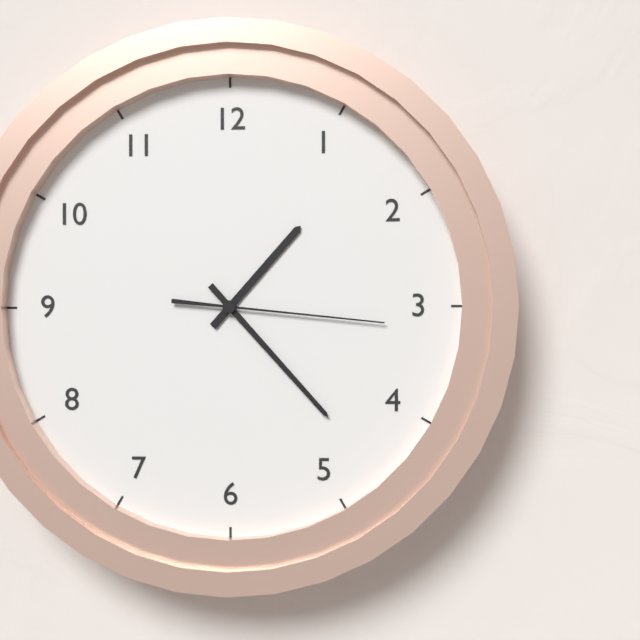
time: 1:23:16
